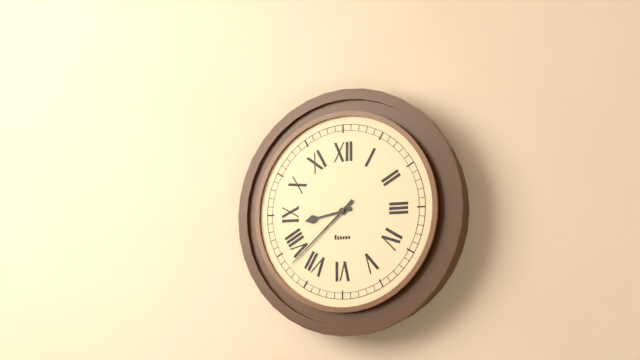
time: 8:38
